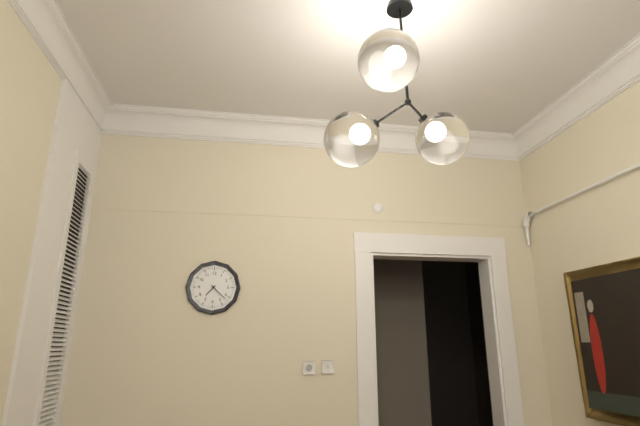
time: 7:22
